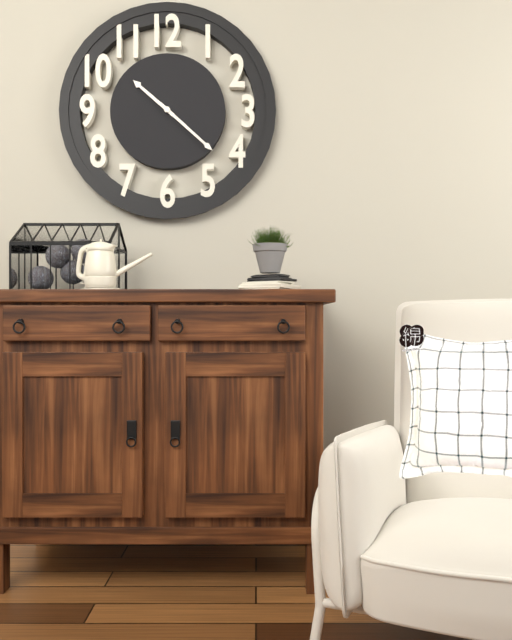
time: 10:22
